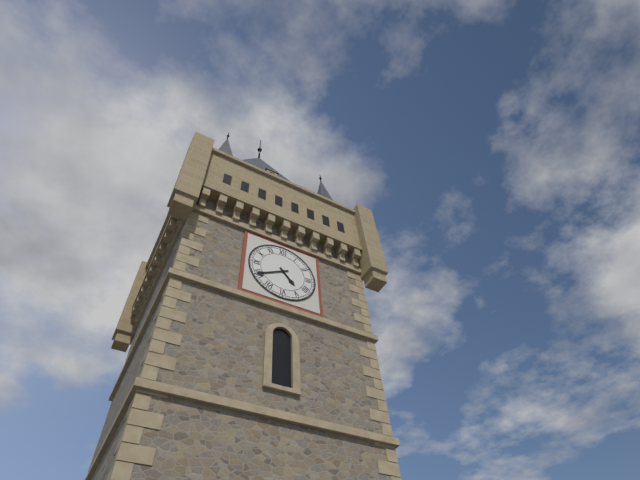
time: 4:40
